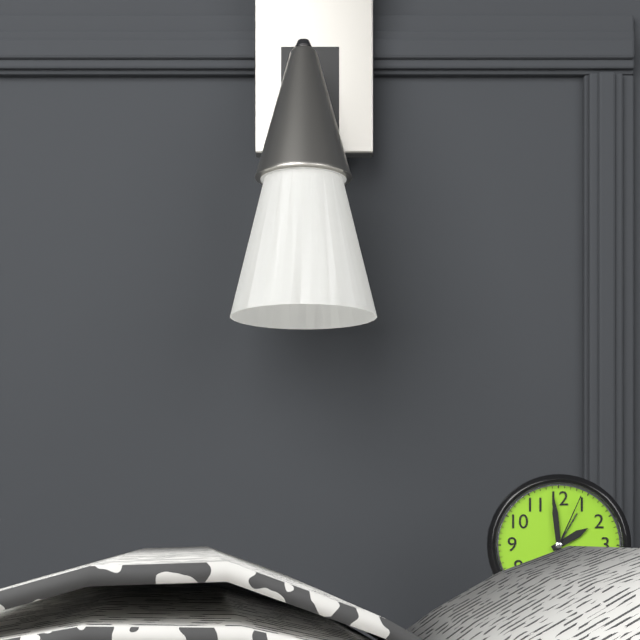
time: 1:59:04
